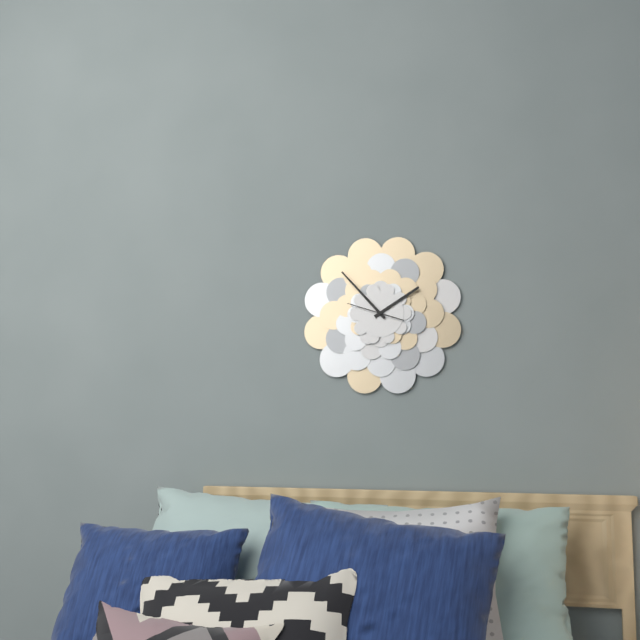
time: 1:53
